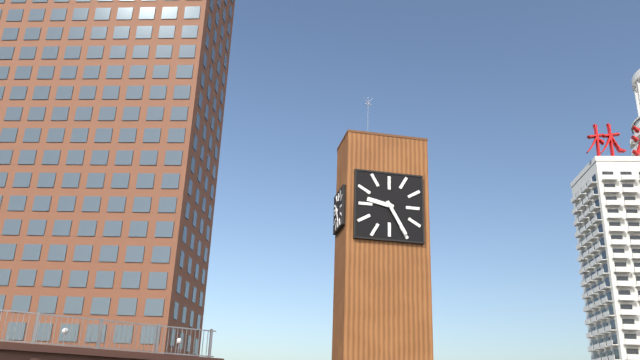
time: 9:25
